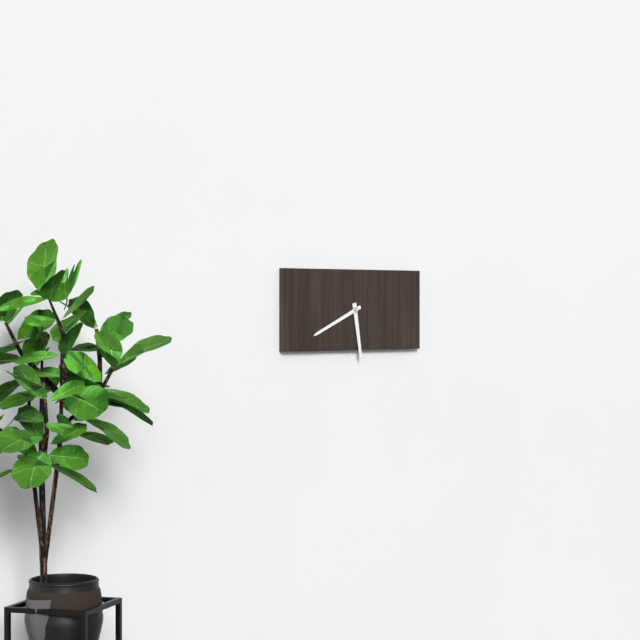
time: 5:41
